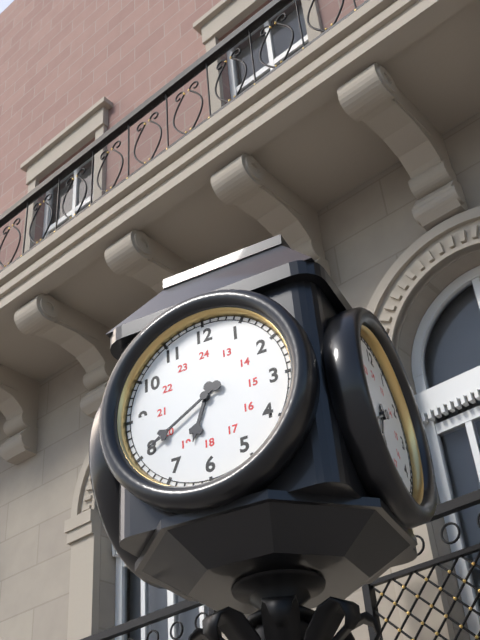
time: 6:40
